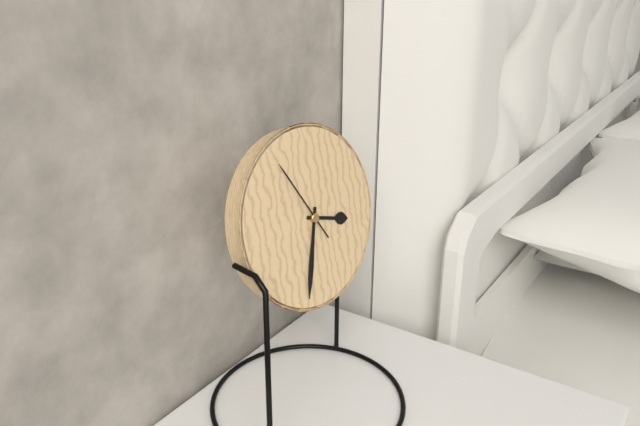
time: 3:33:55
